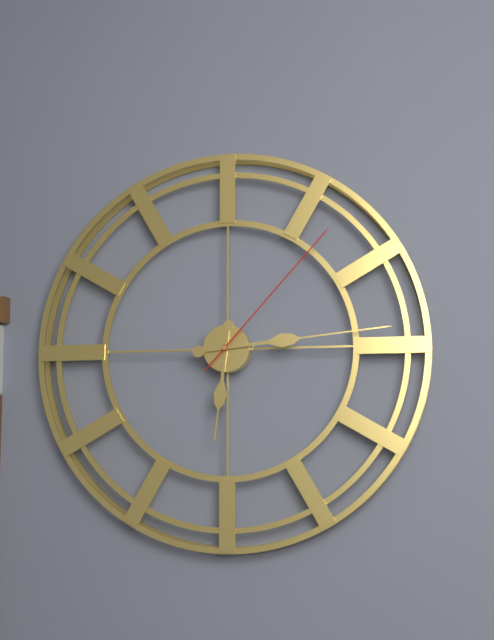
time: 6:14:07
